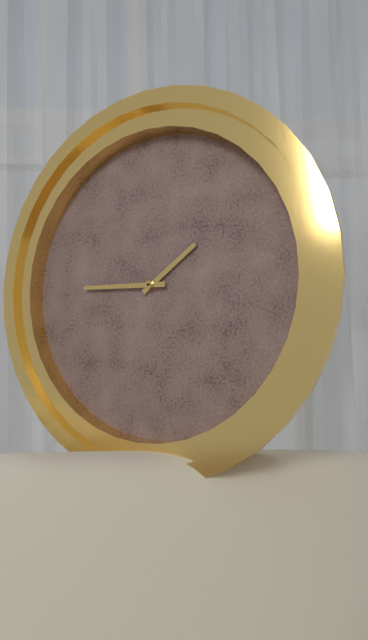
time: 1:45
